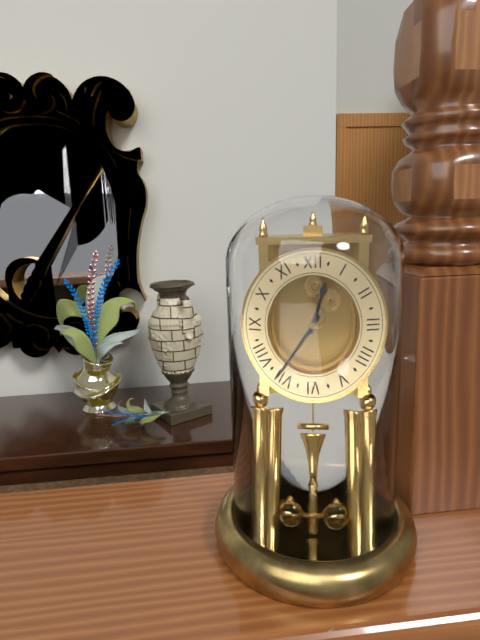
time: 12:36
